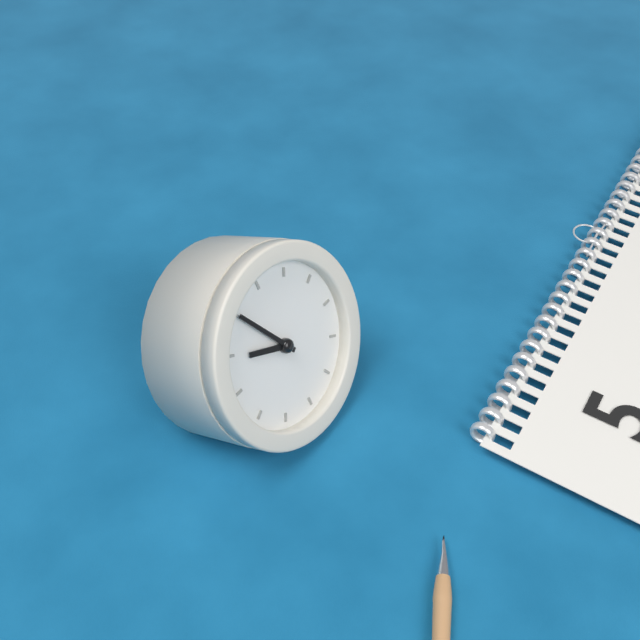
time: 9:55
